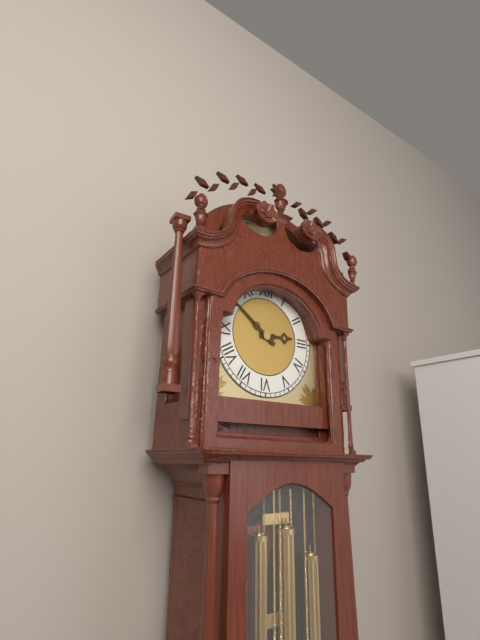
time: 2:51
